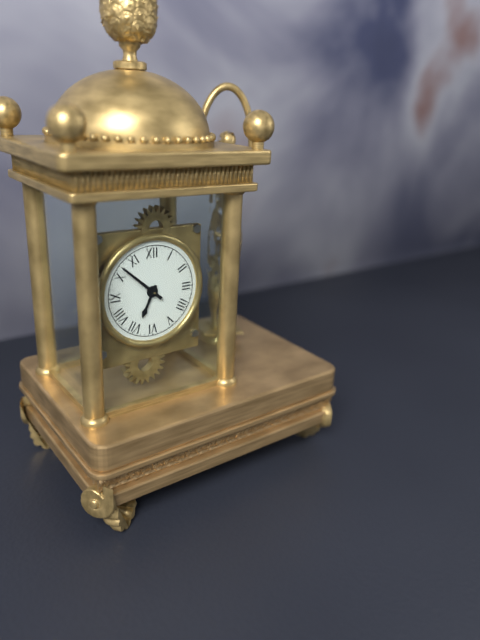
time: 6:52
